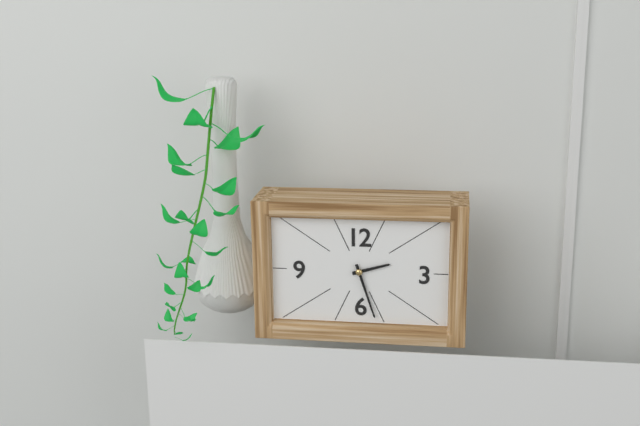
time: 2:27
